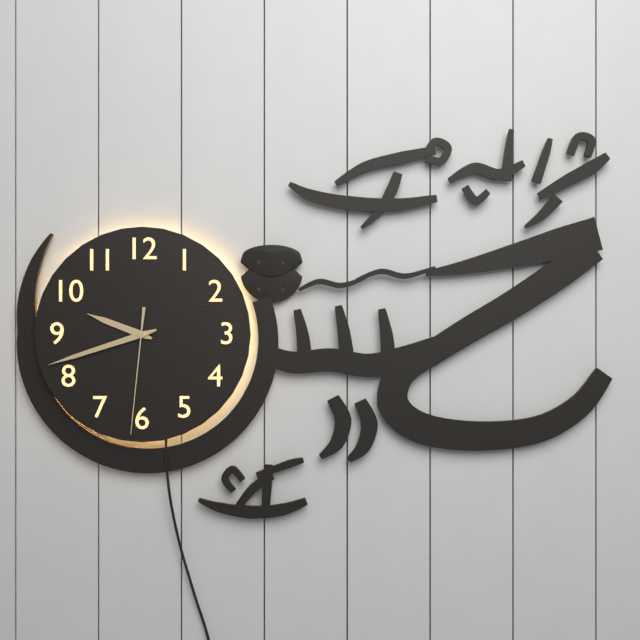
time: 9:42:31
